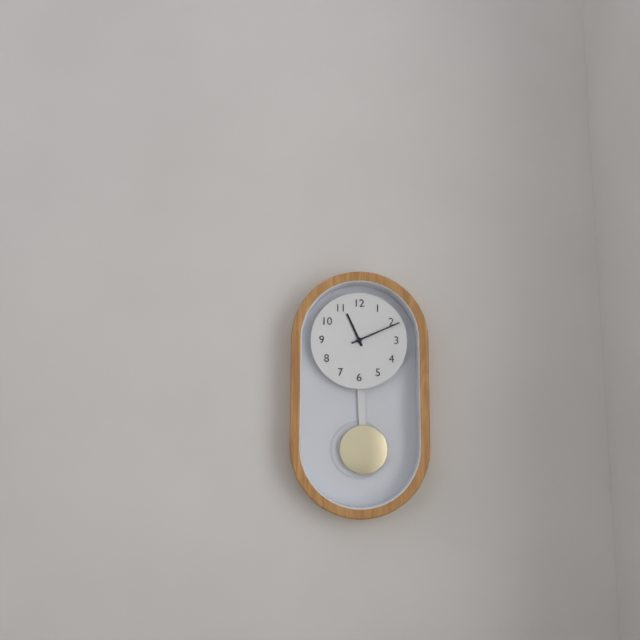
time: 11:11
